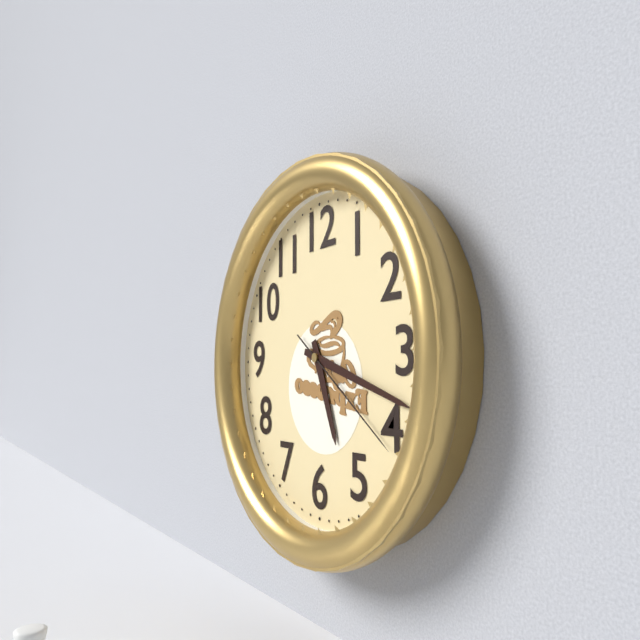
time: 5:18:21
